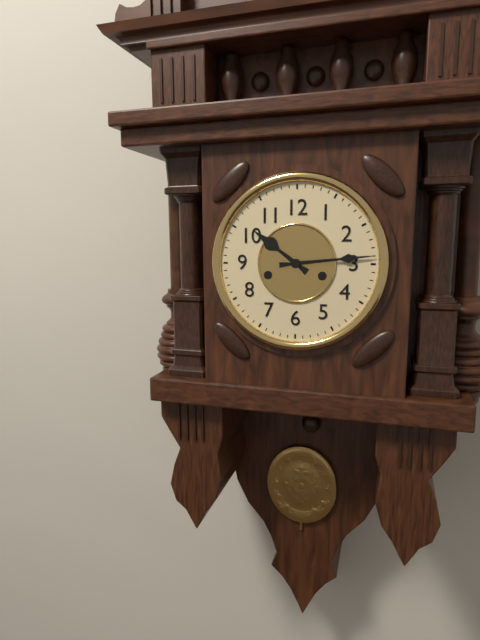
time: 10:14
